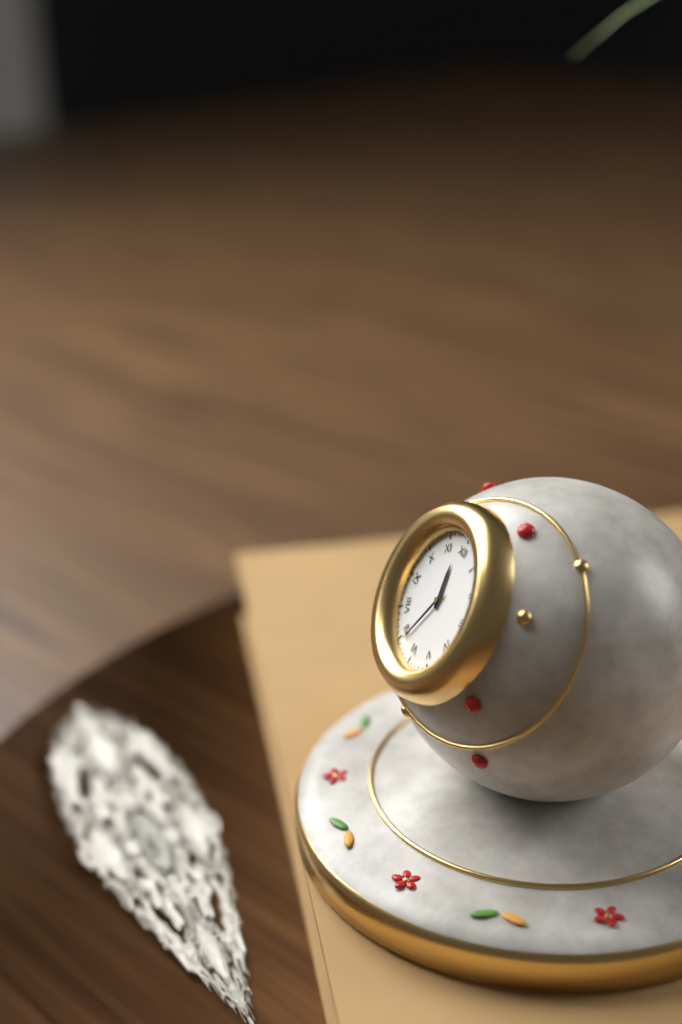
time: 11:34
